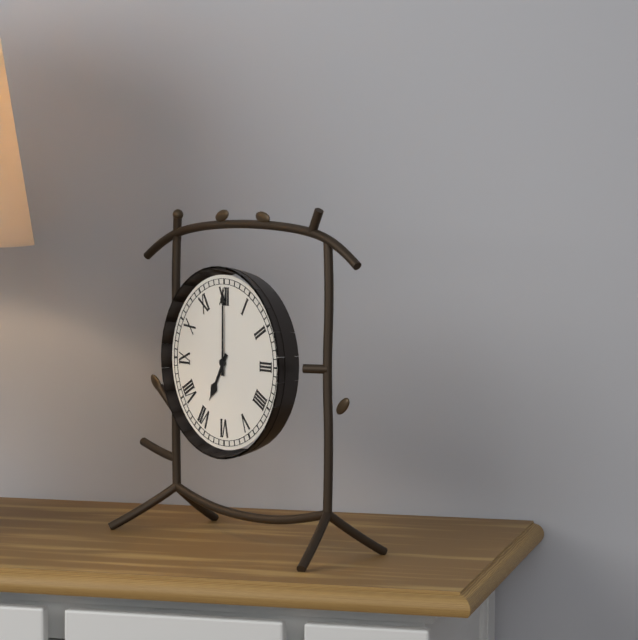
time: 7:00
